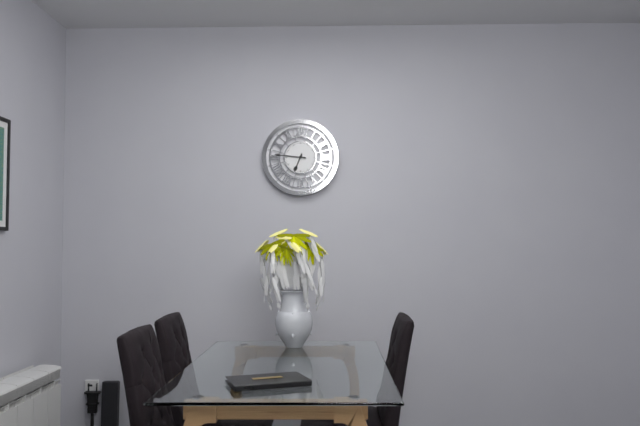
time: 6:46
